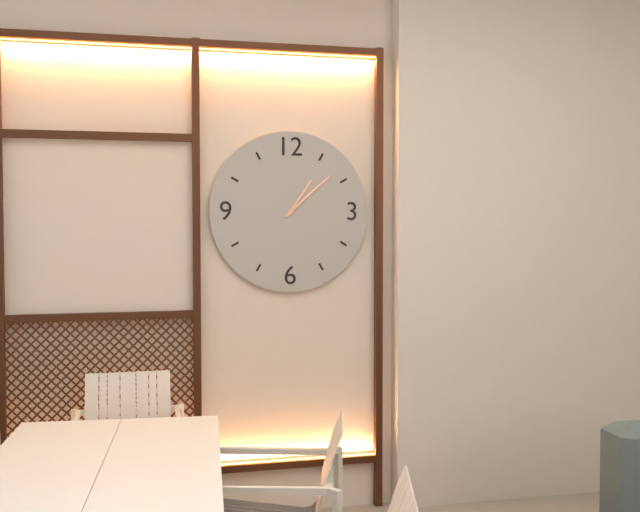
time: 1:08
